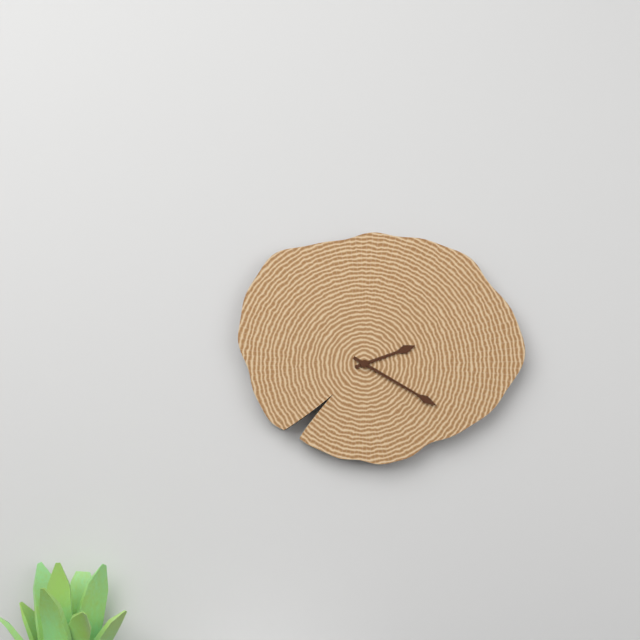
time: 2:20
